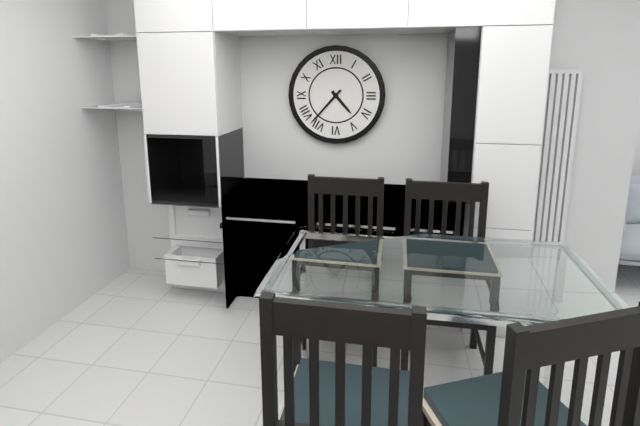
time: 4:37
